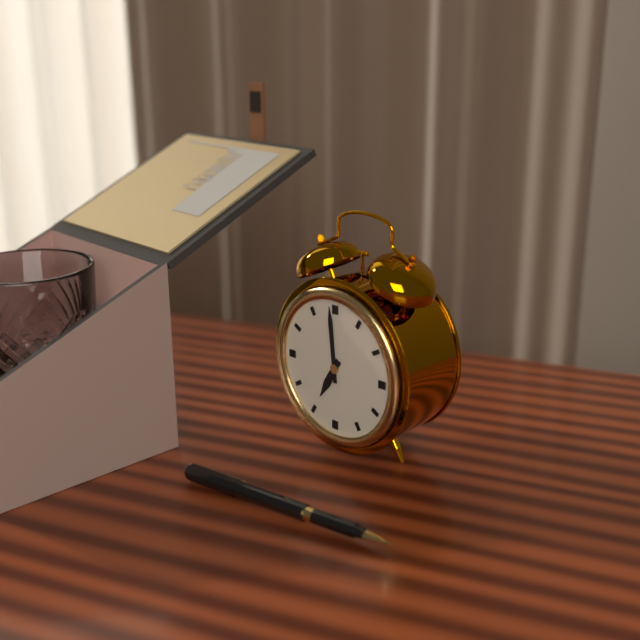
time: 6:59
